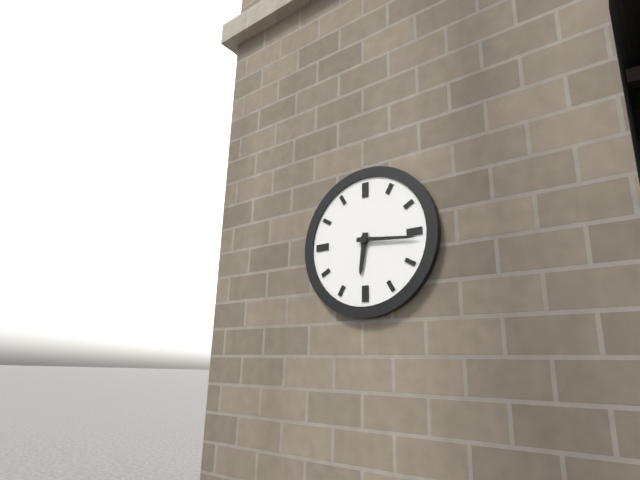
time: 6:16
